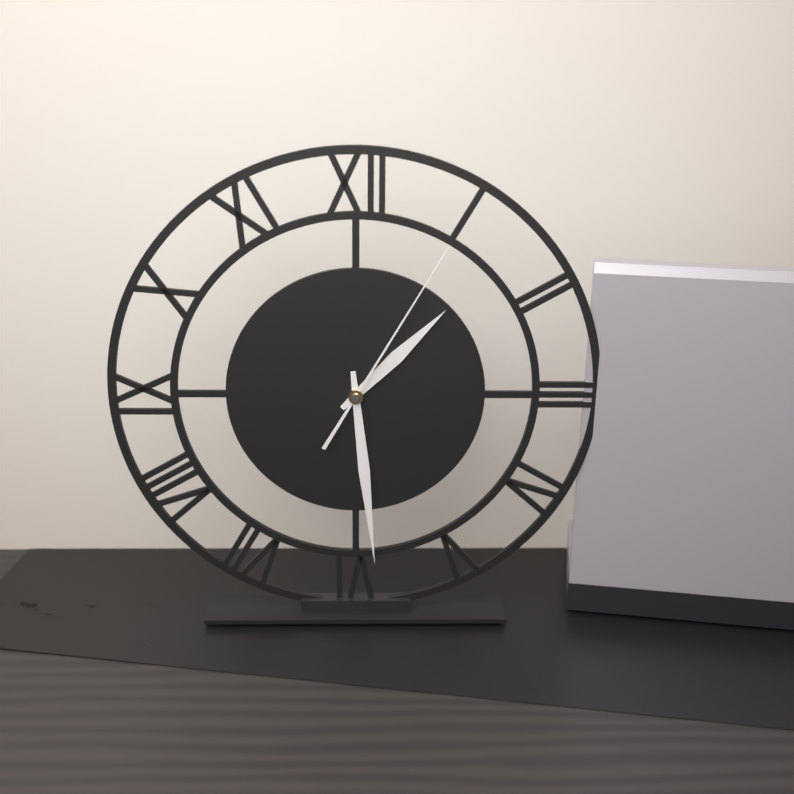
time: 1:29:05
